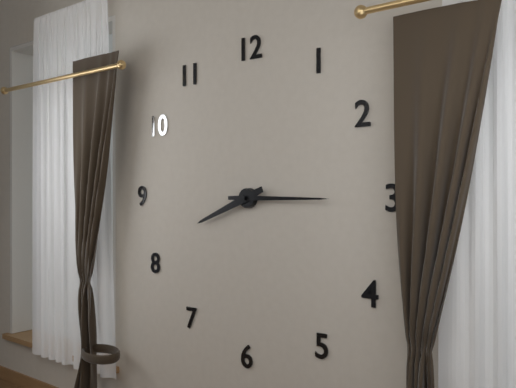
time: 8:15
